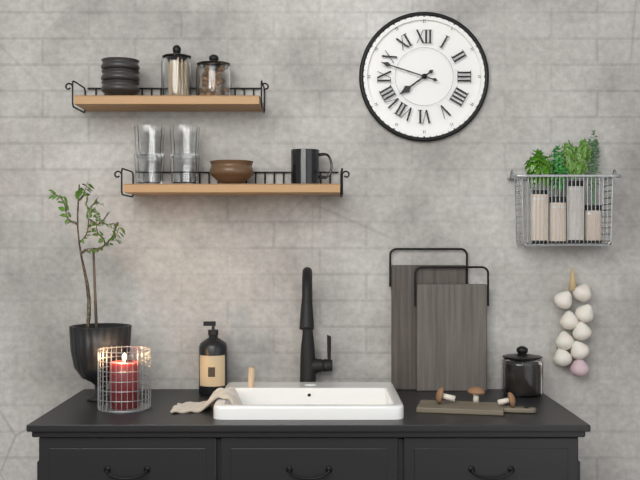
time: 7:48
